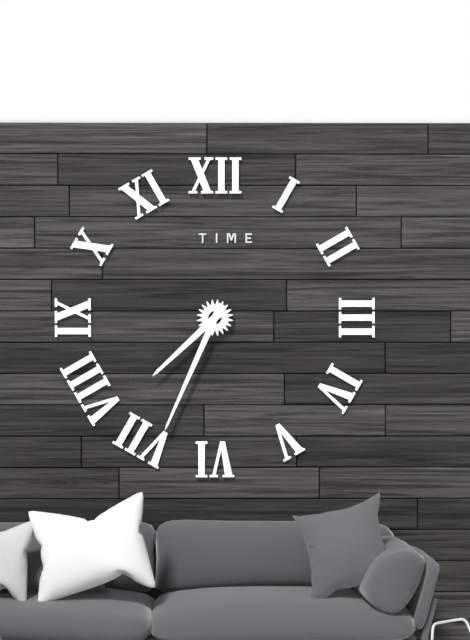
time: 7:34
